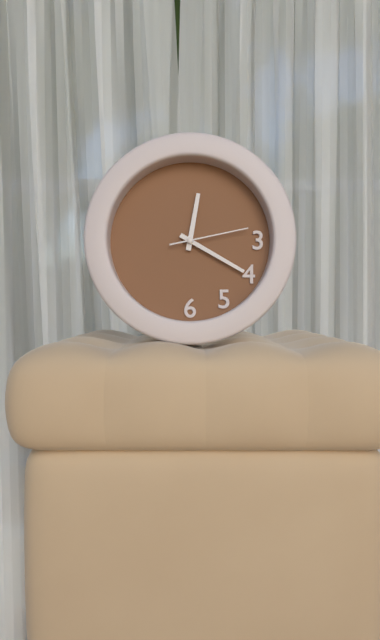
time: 12:20:13
